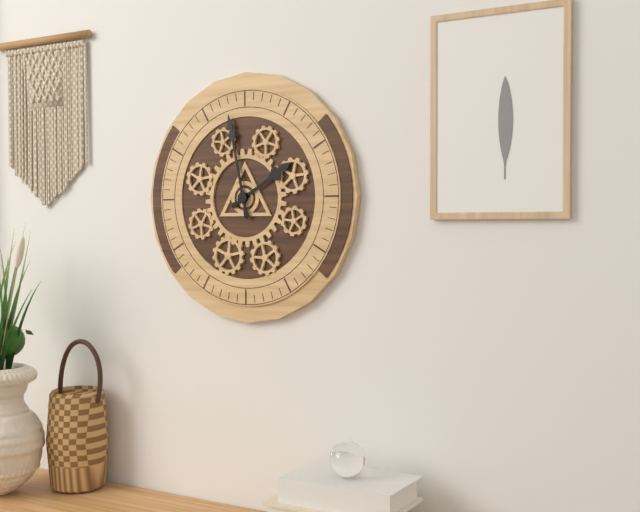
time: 1:58
